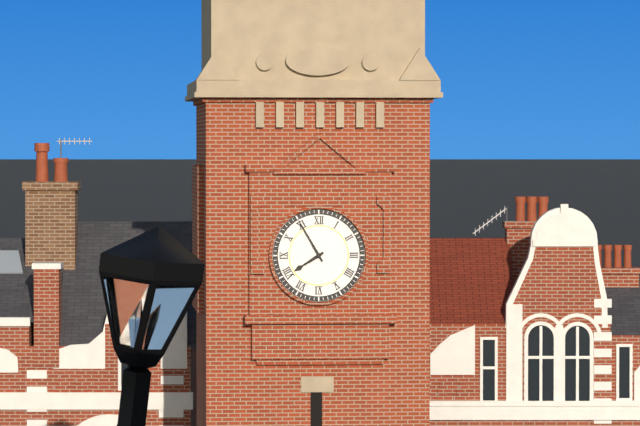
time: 7:55
